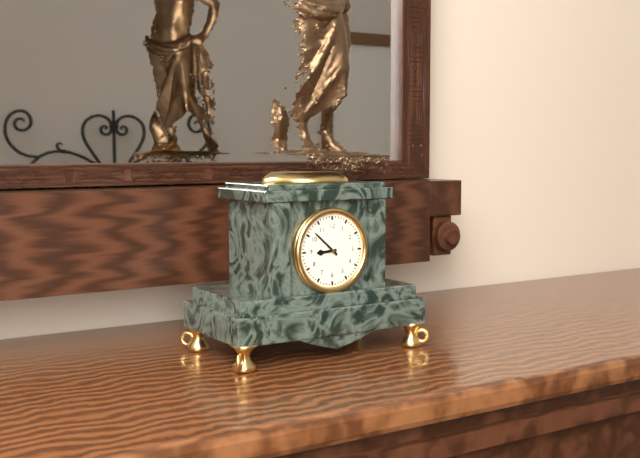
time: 8:52
